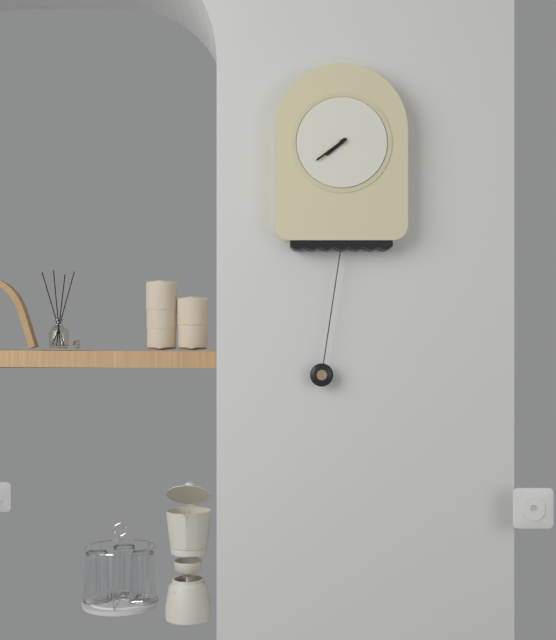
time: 7:39
